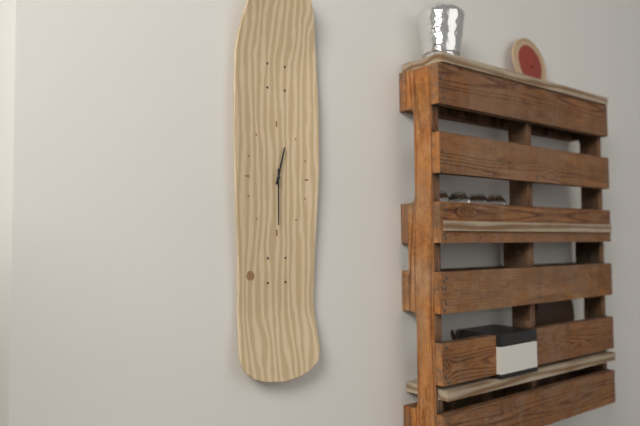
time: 12:30
